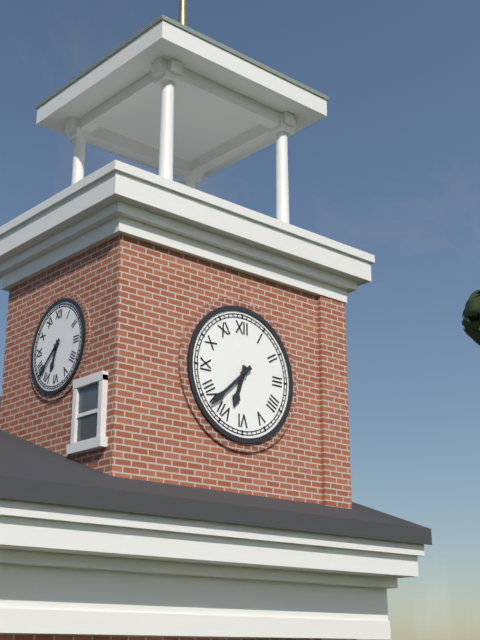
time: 6:38
